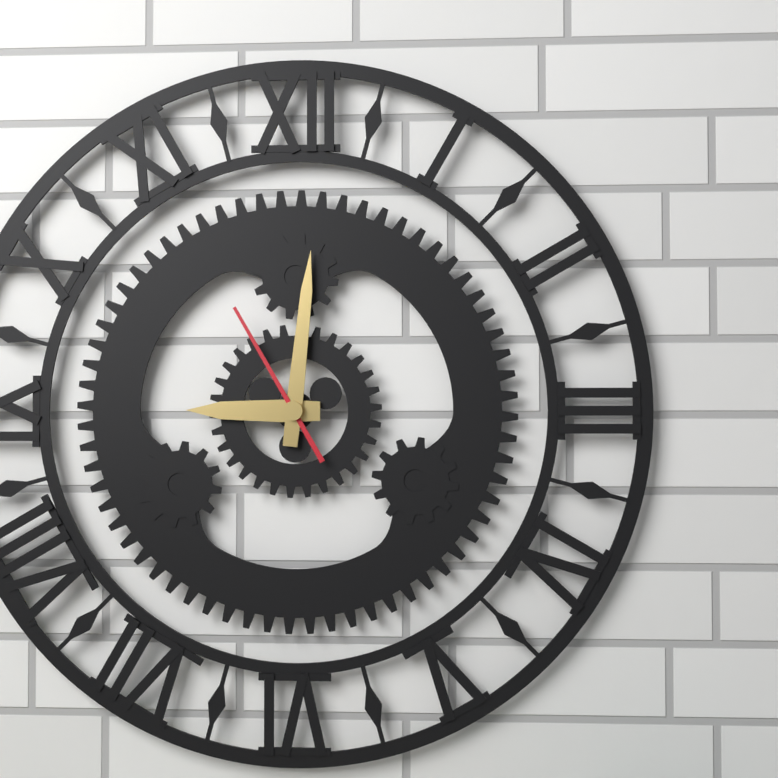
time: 9:01:55
